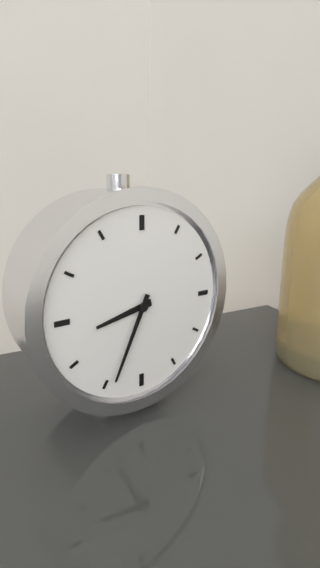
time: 8:34
